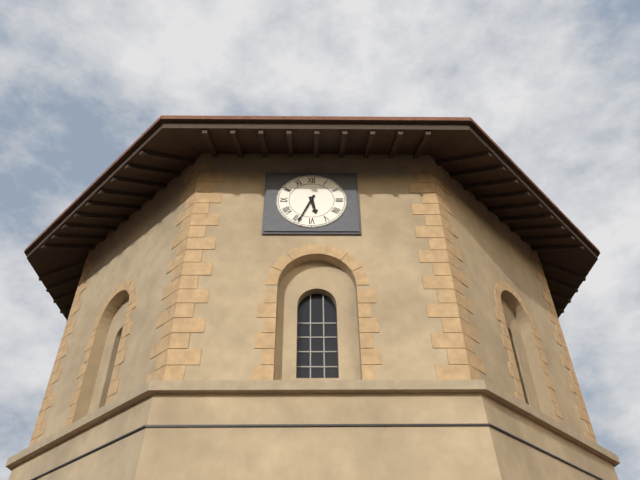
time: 5:34
